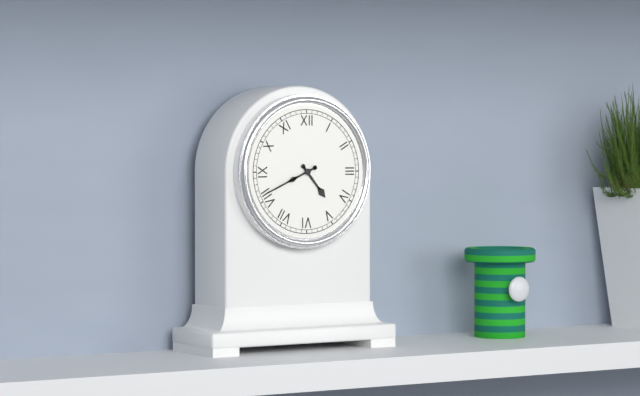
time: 4:41
